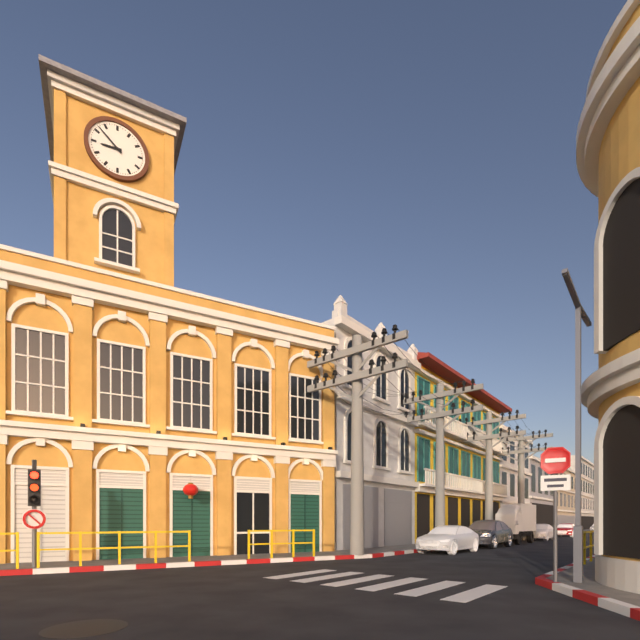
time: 8:52
